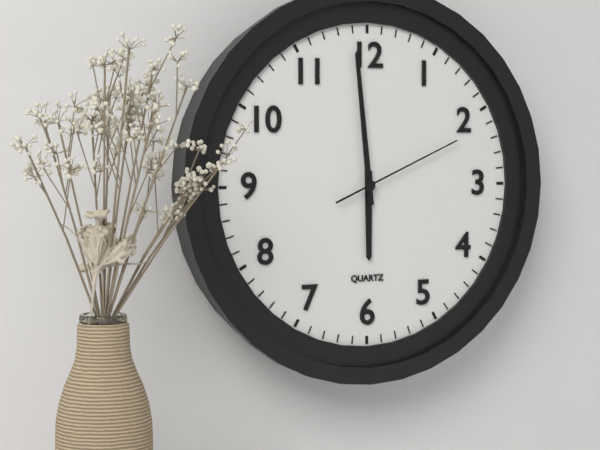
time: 5:59:11
